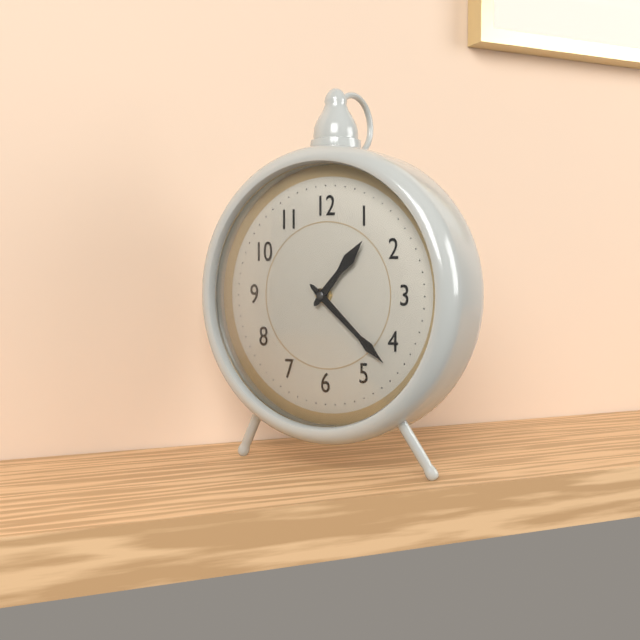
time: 1:22
